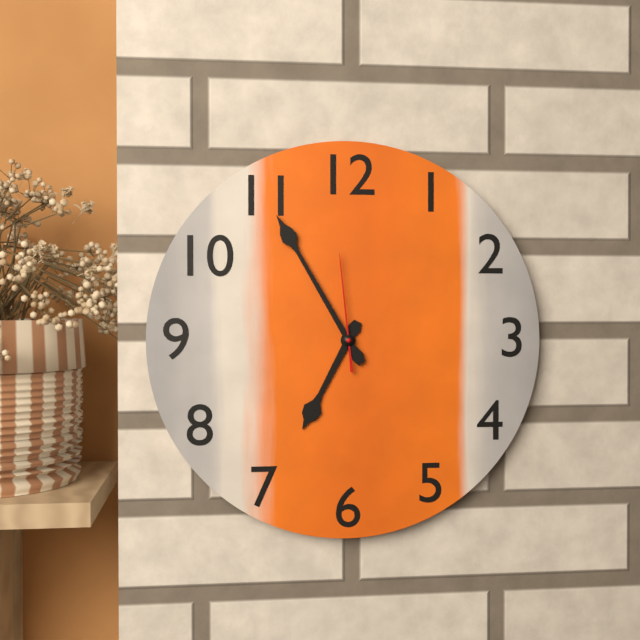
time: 6:55:59
